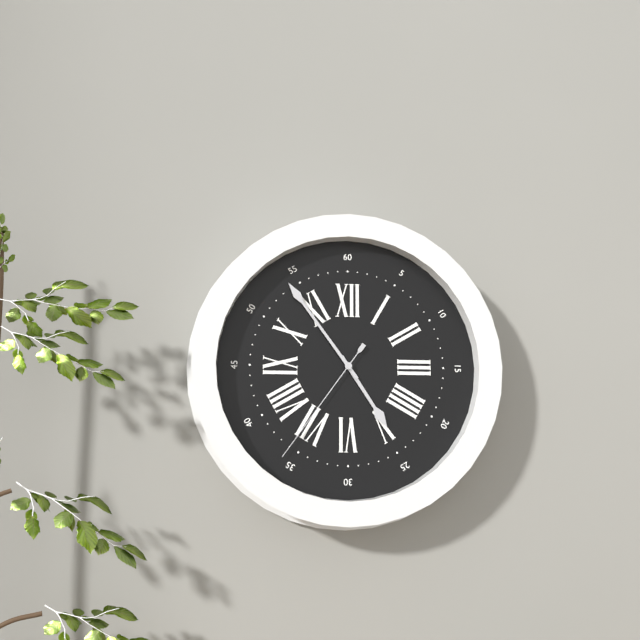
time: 4:54:36
